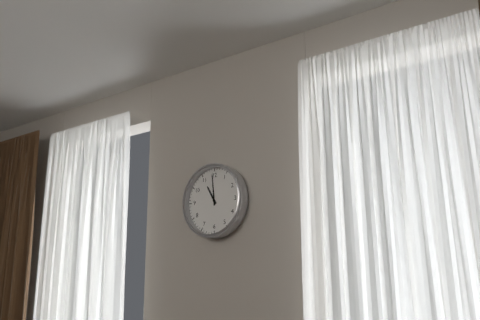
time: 10:59
